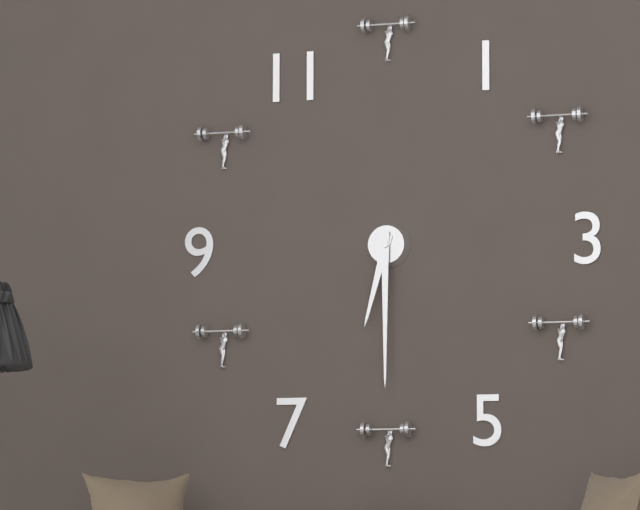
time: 6:30
